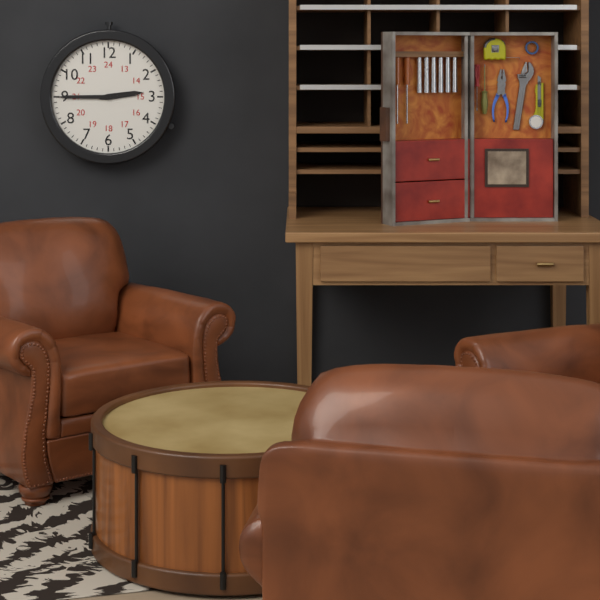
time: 2:45
